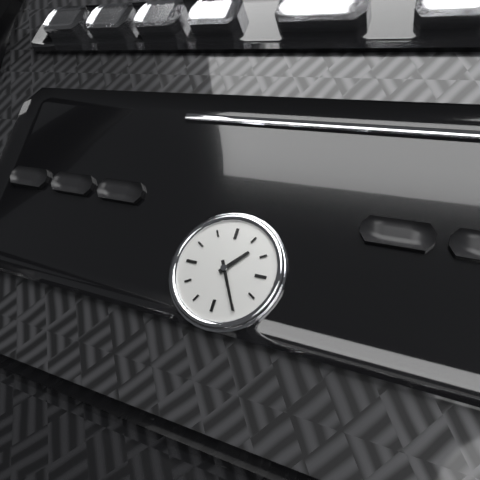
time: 1:25
